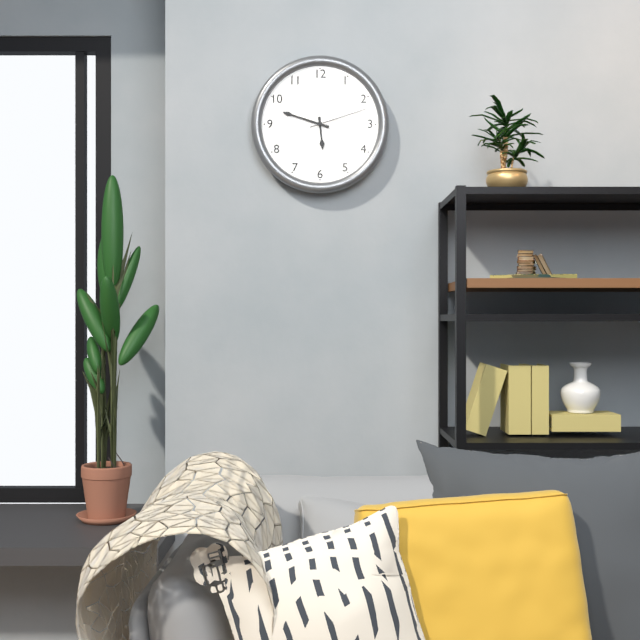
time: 5:48:12
